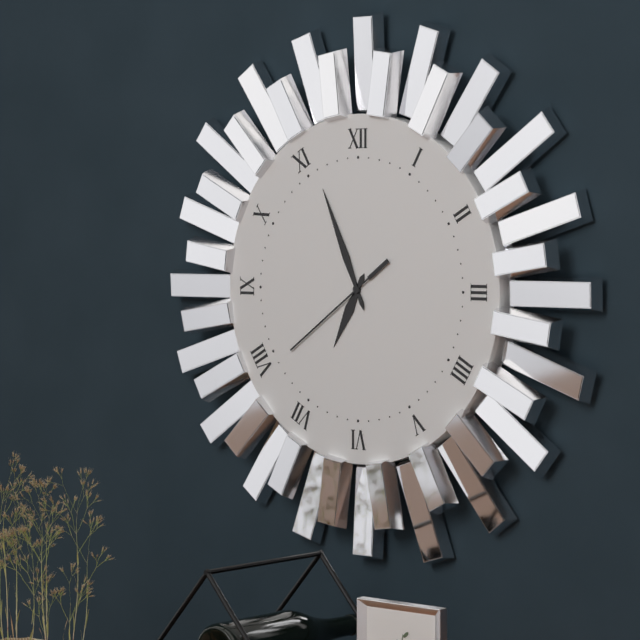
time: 6:56:39
